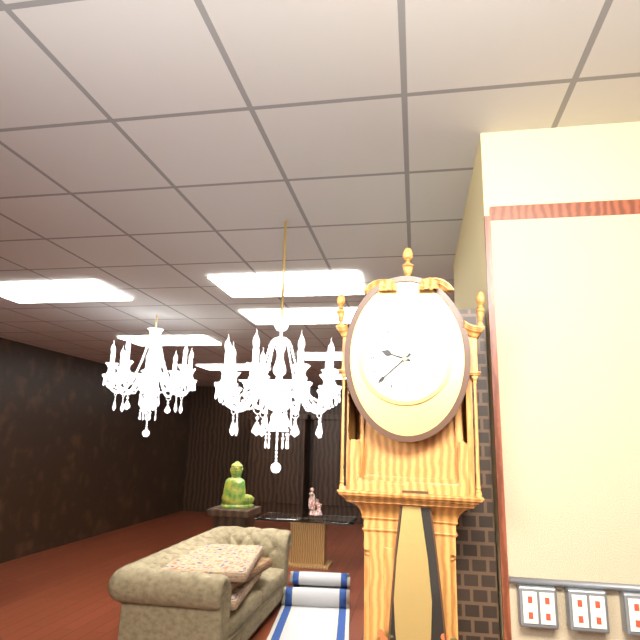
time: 9:38
